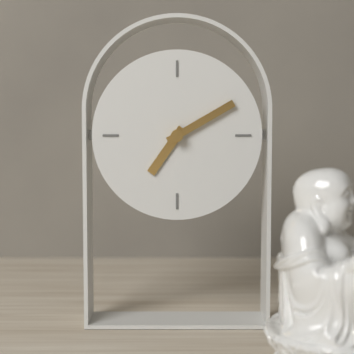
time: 7:10
